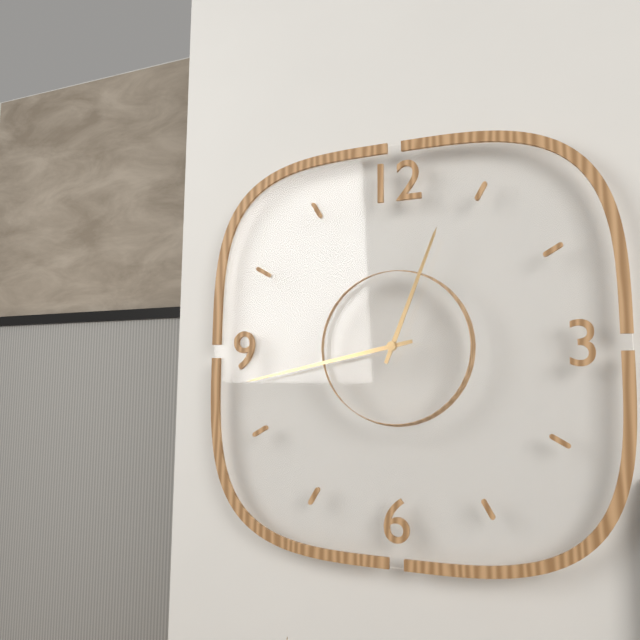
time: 12:43
